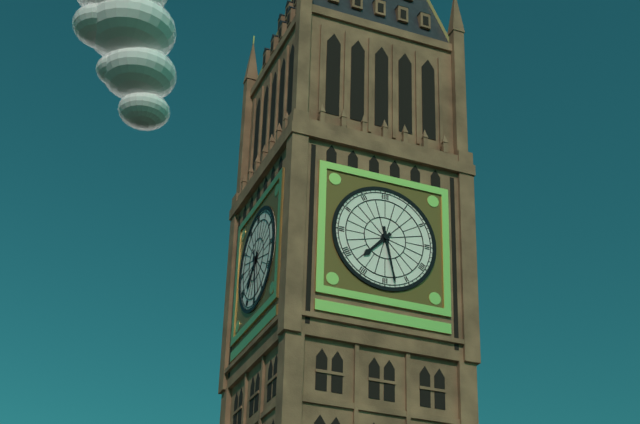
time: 7:28
